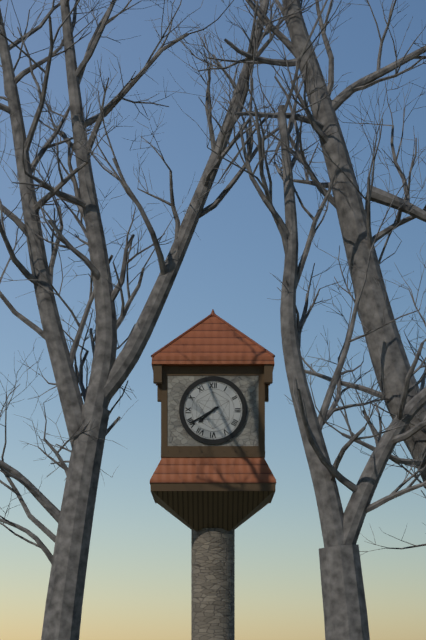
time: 7:40
